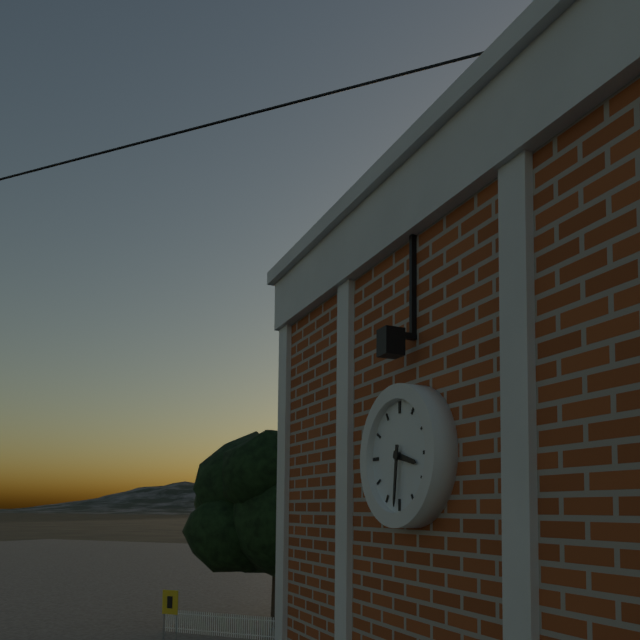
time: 3:31
